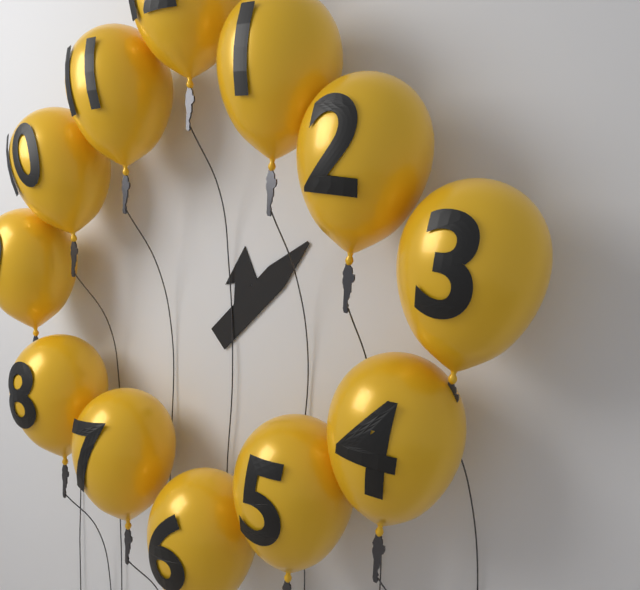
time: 12:08
